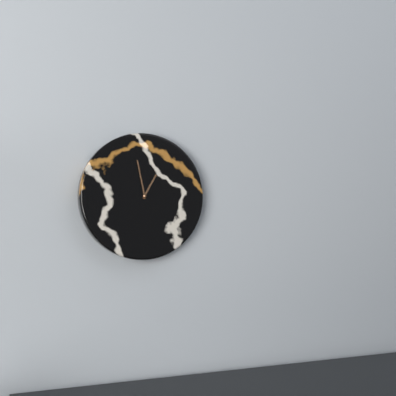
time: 12:58
